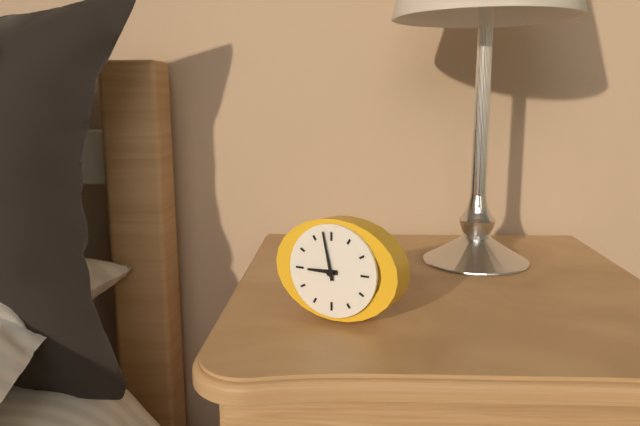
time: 8:58
